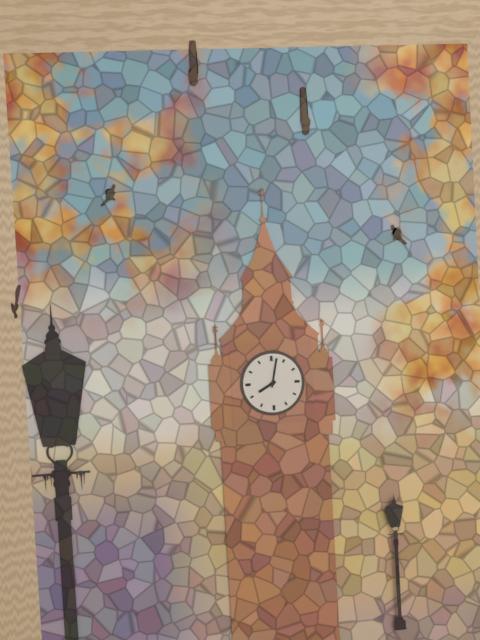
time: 8:02
